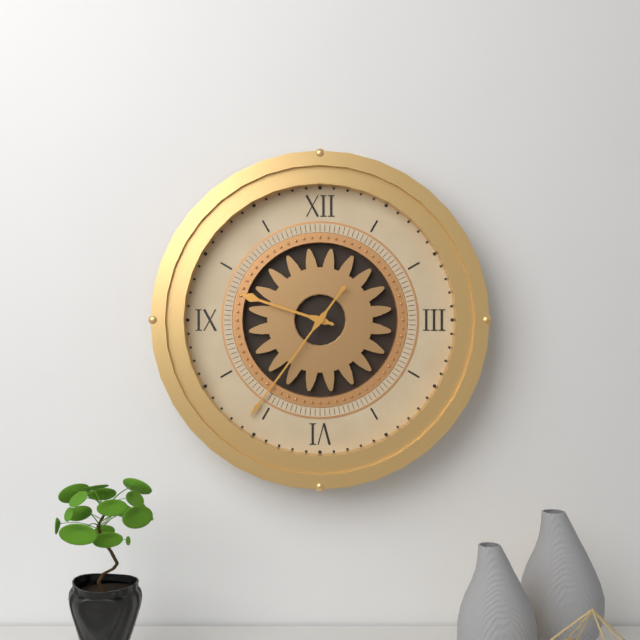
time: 9:36
